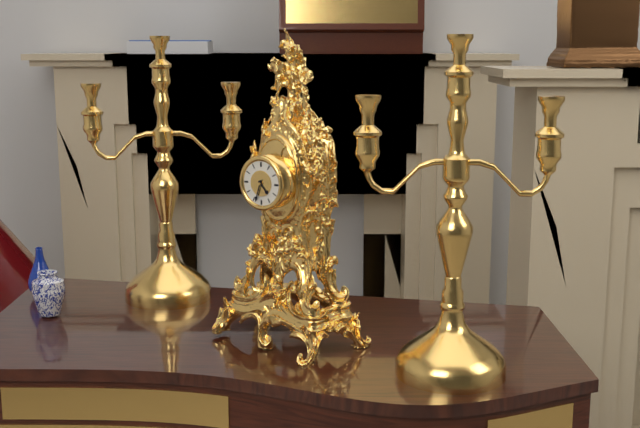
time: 4:33
